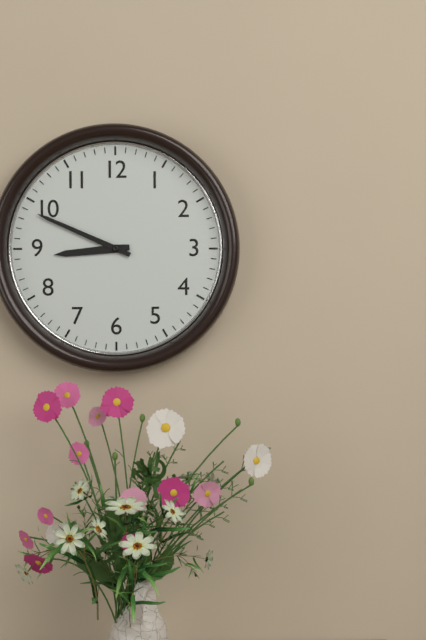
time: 8:49
